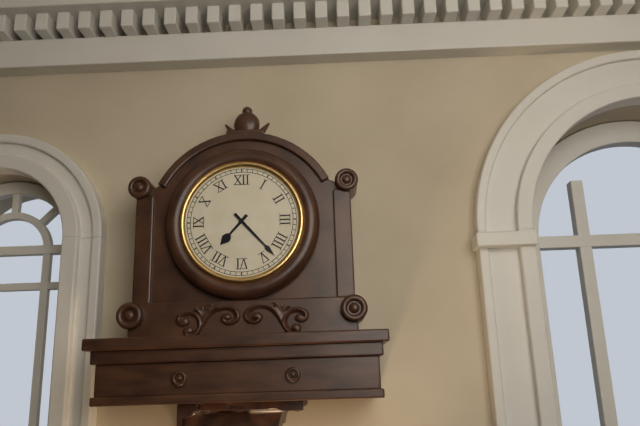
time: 7:23
